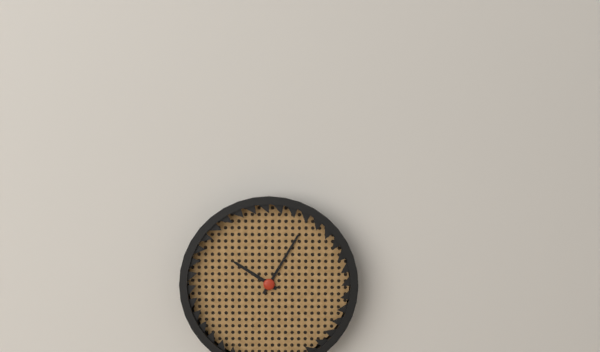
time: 10:05
